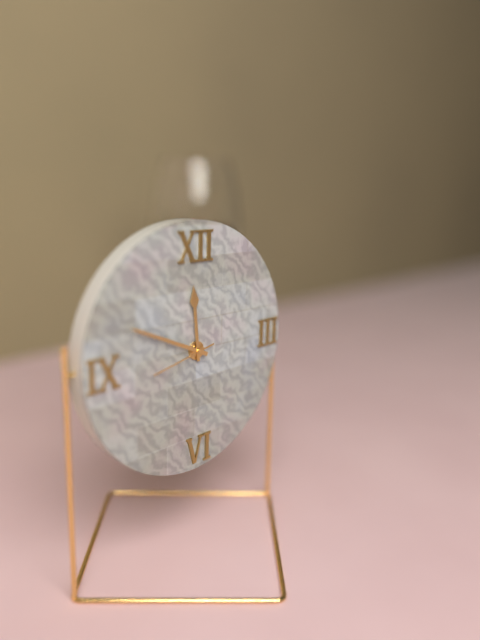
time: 11:49:43
